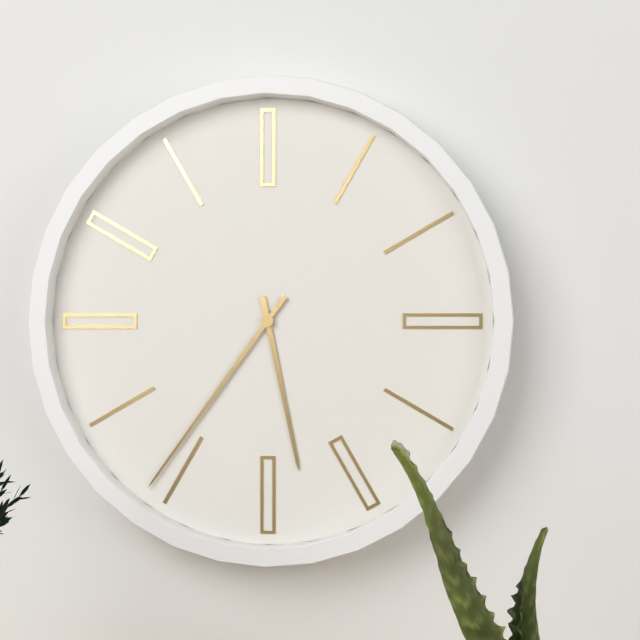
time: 5:36
